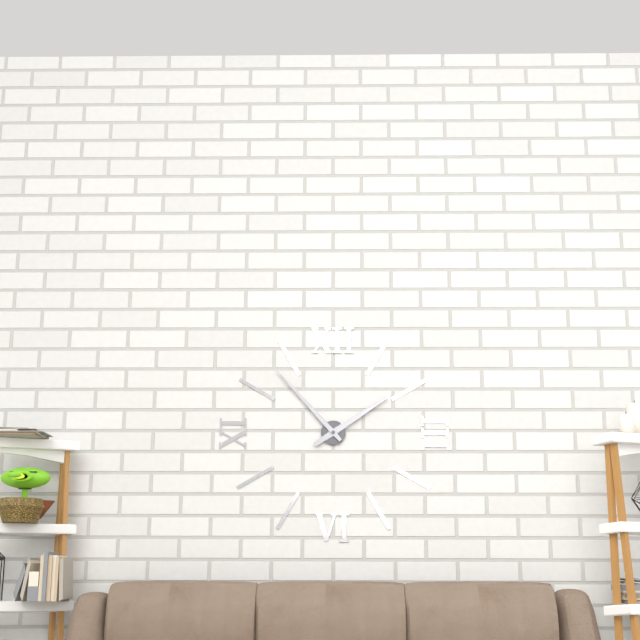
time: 1:53
